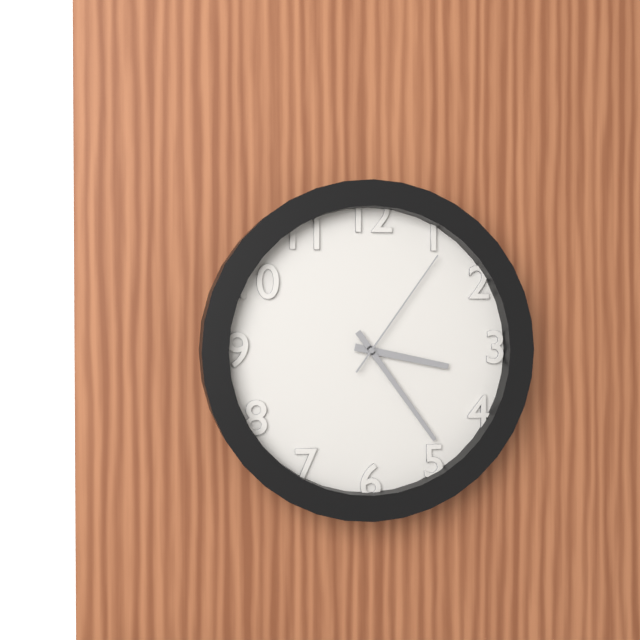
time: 3:24:06
